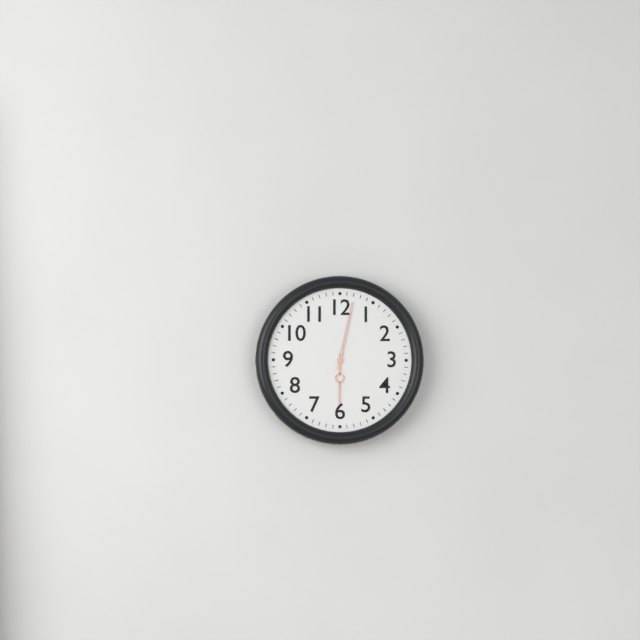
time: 6:02
